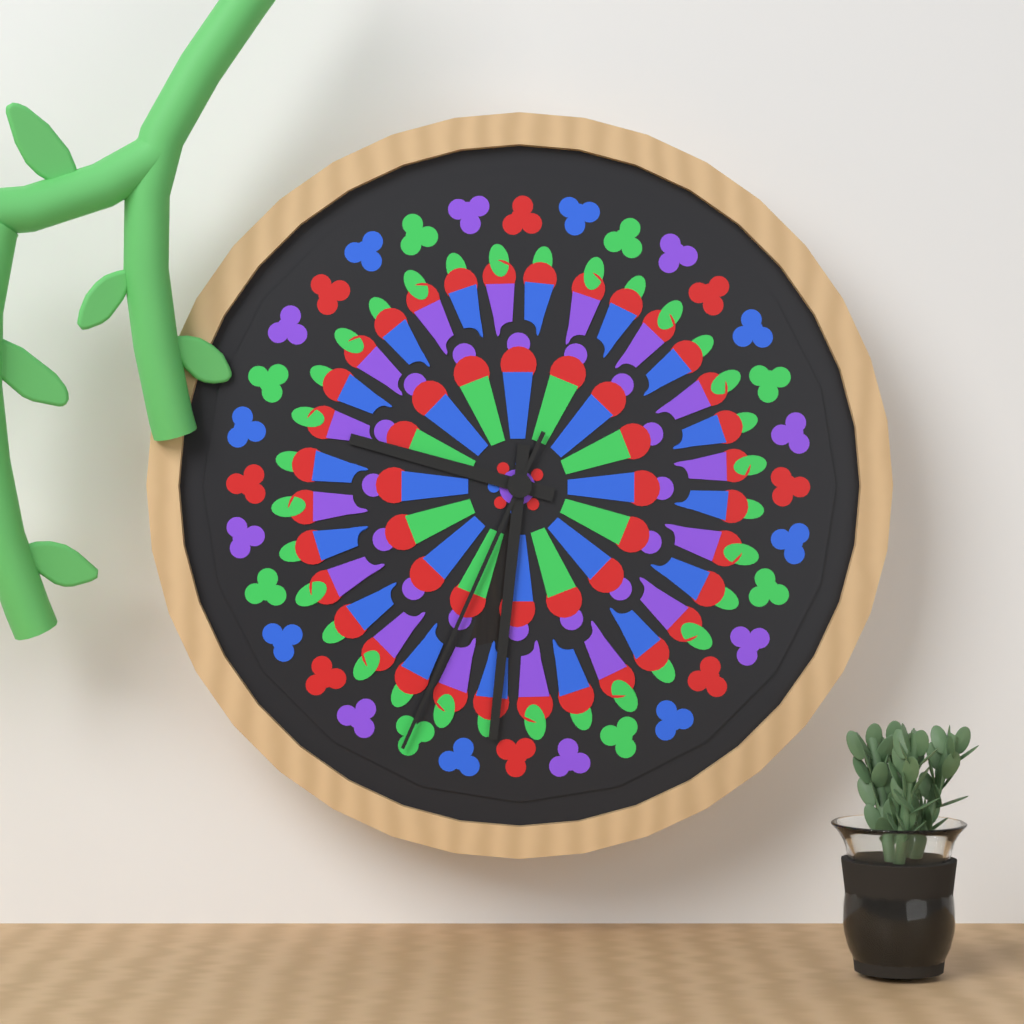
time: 9:31:34
